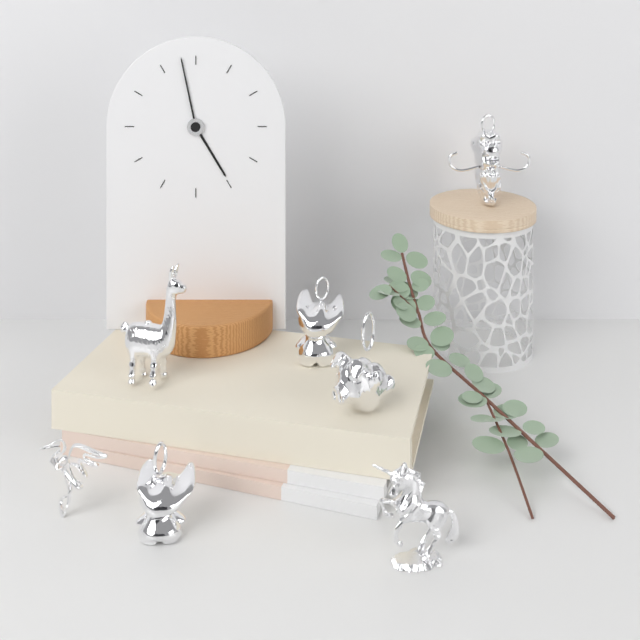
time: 4:58
